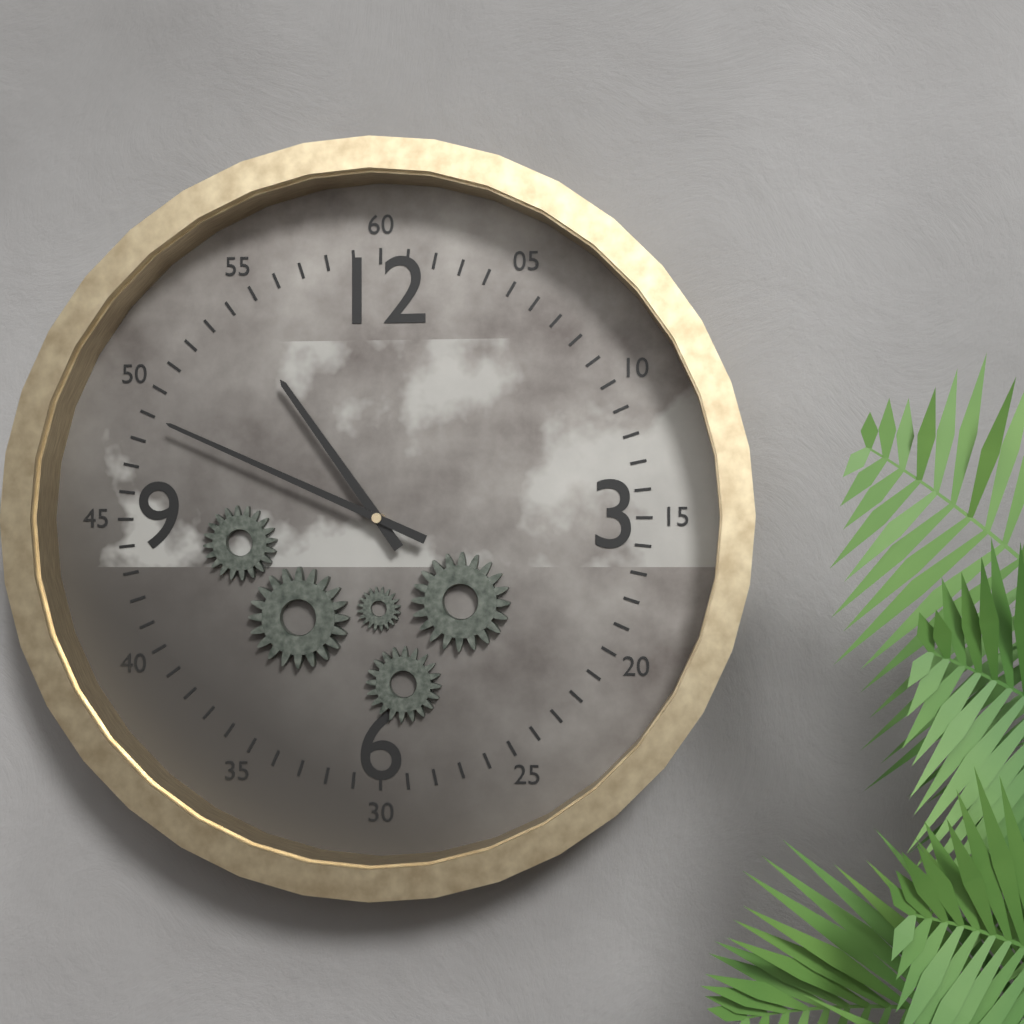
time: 10:49
